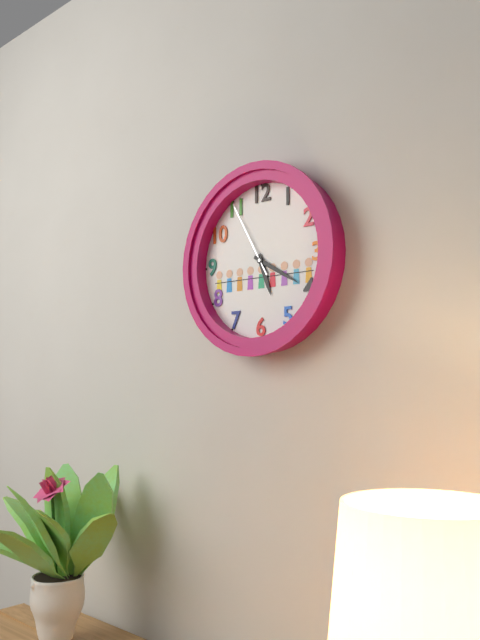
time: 5:20:55
